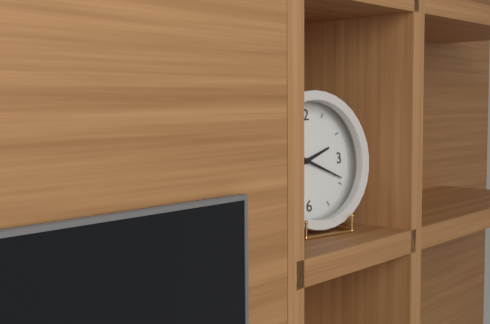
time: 2:19
